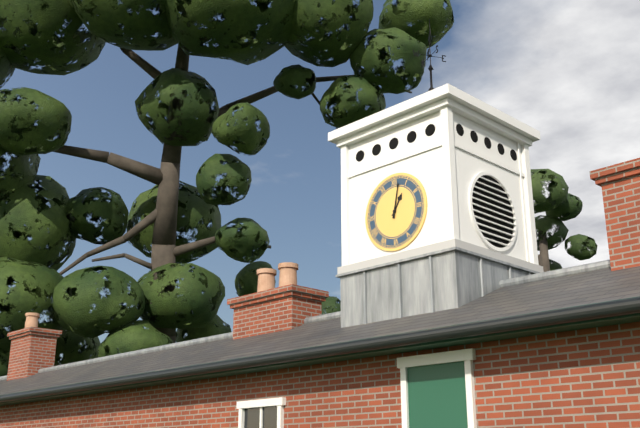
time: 1:02
